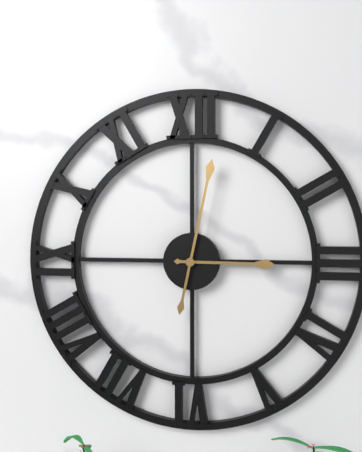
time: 3:02
